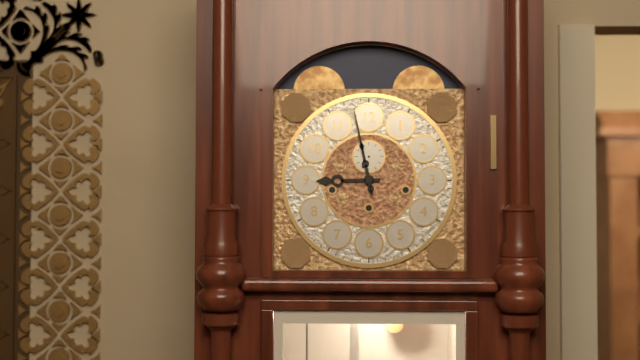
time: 8:58
